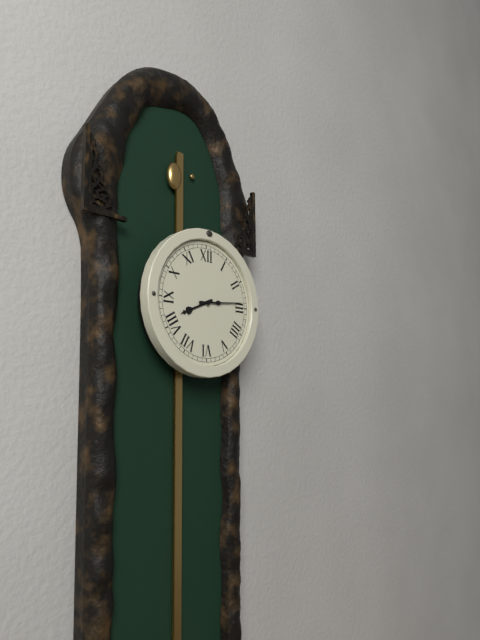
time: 8:14
